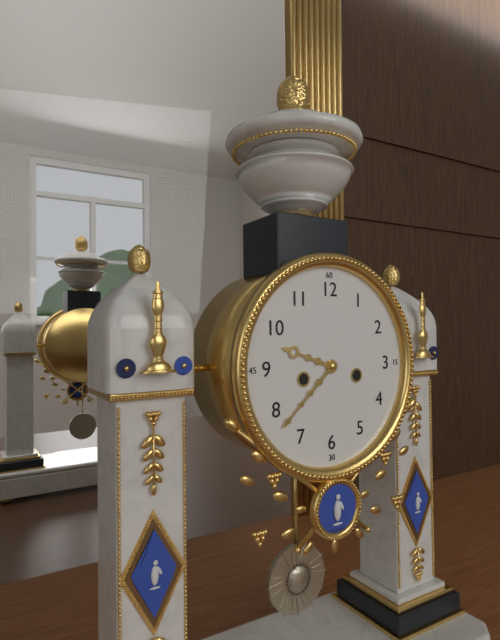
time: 9:38
